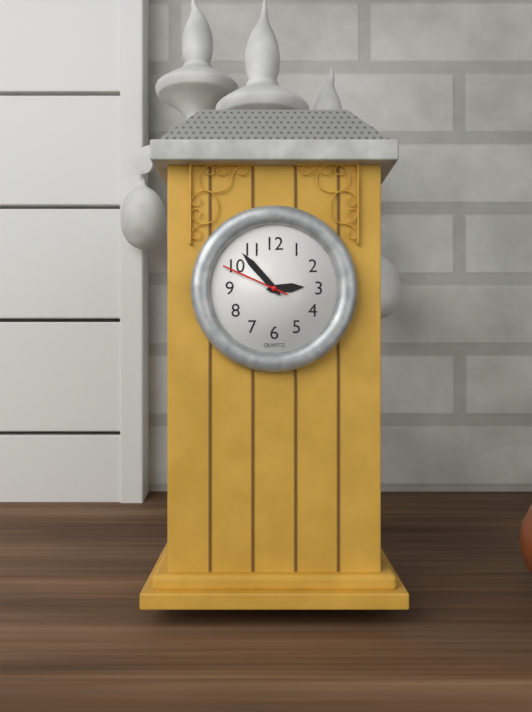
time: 2:53:49
